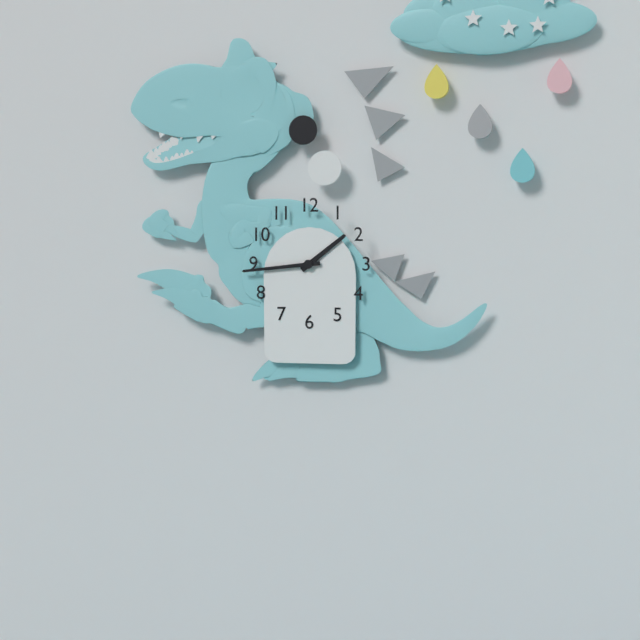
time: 1:44
